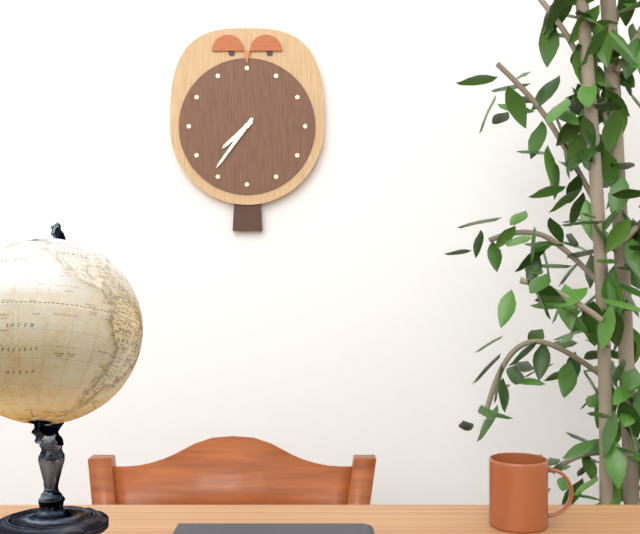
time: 7:36
